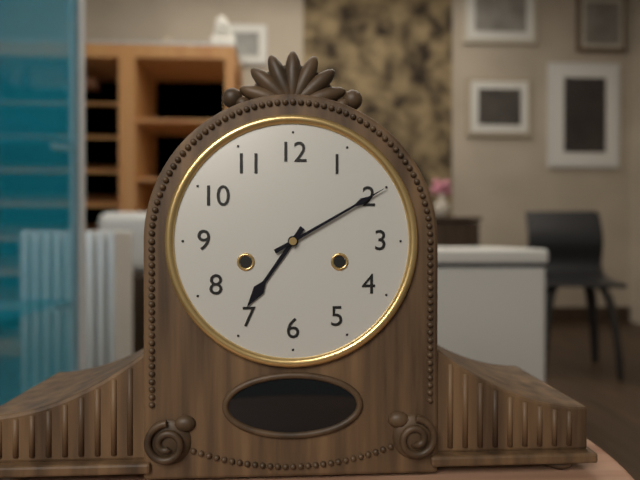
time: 7:10
